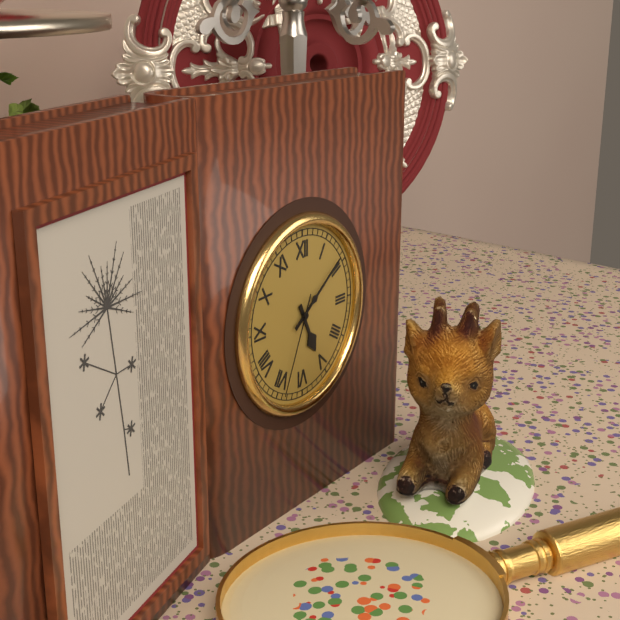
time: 5:09:34
